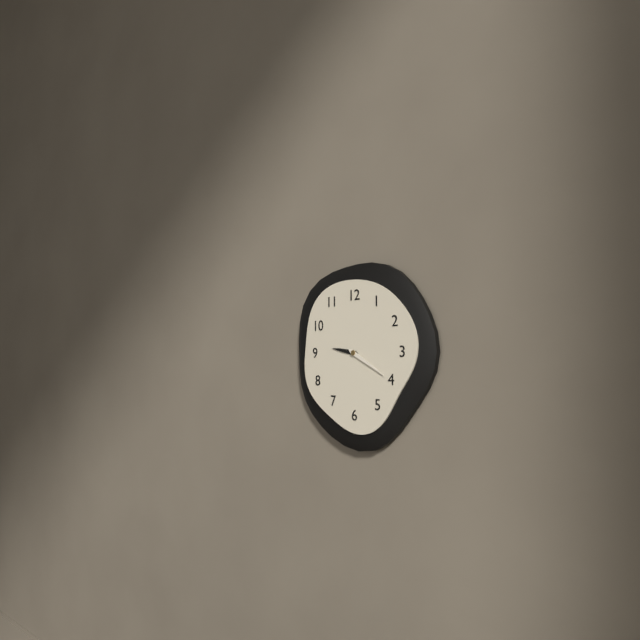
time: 9:20
